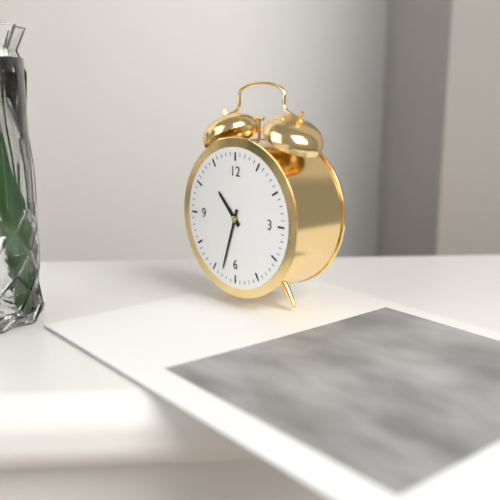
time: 10:33
